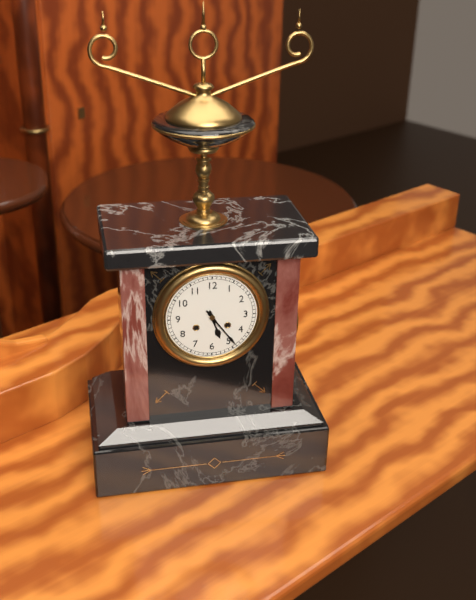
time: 5:24
